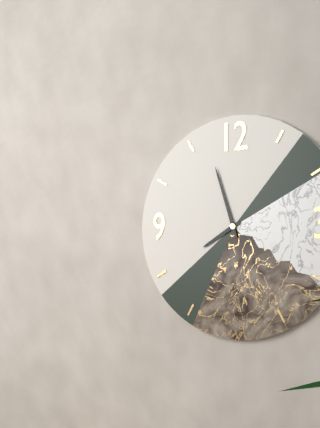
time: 7:57
